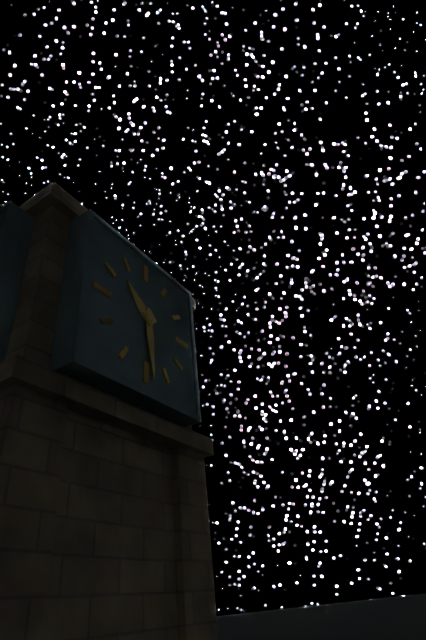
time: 10:29
